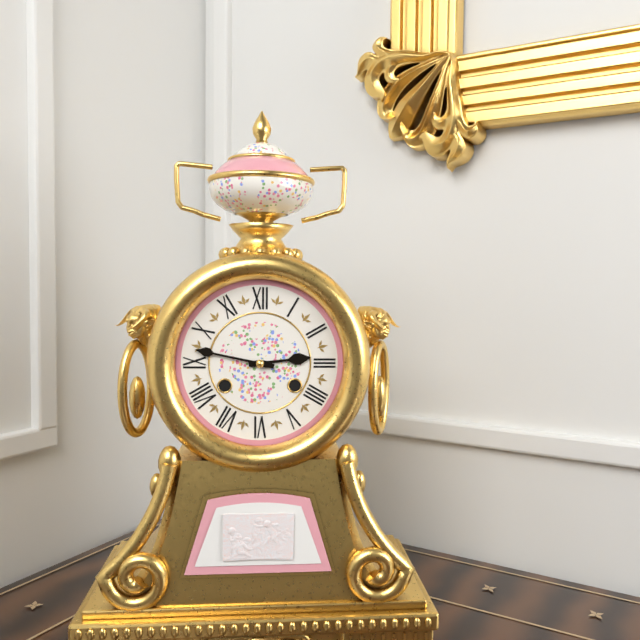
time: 2:47
